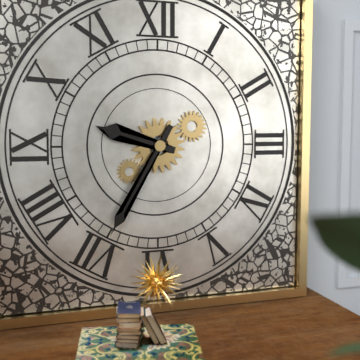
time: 9:35
